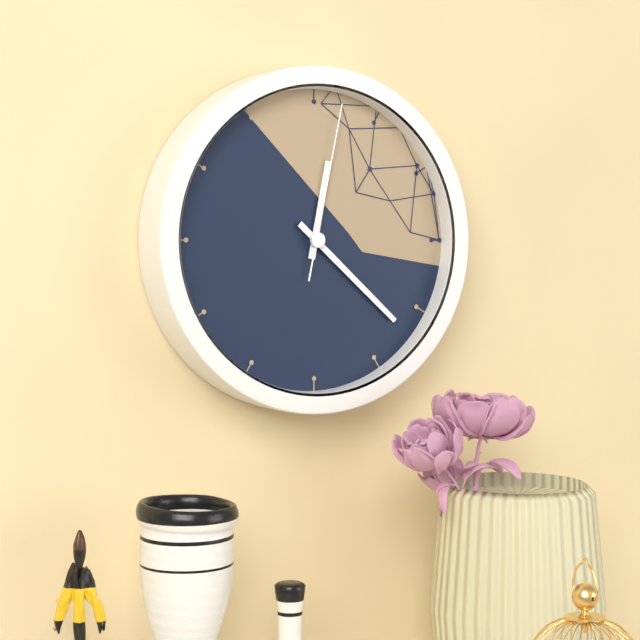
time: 12:22:02
